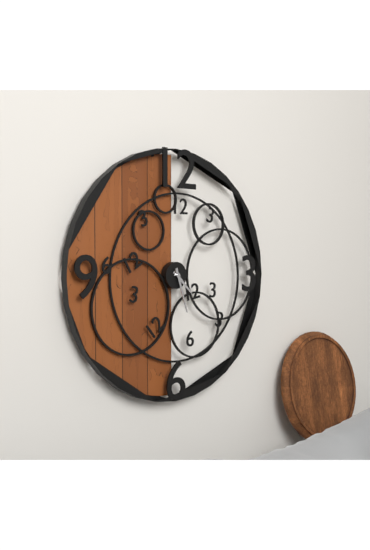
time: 4:27
